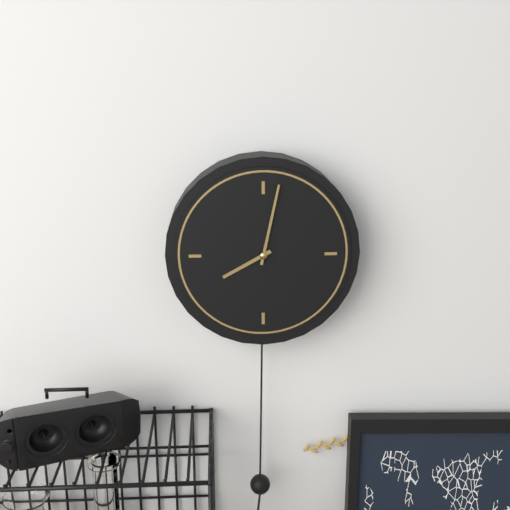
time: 8:02
